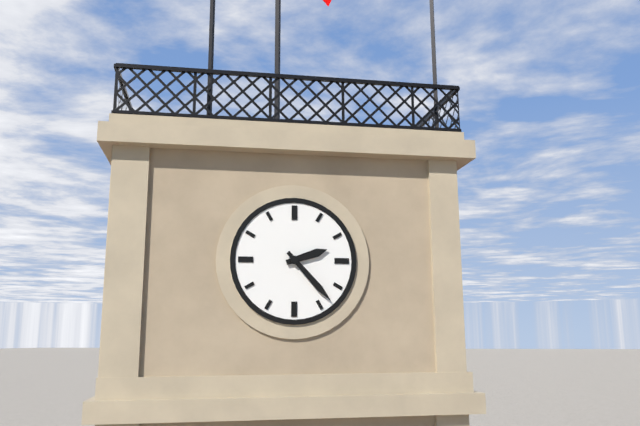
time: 2:23
